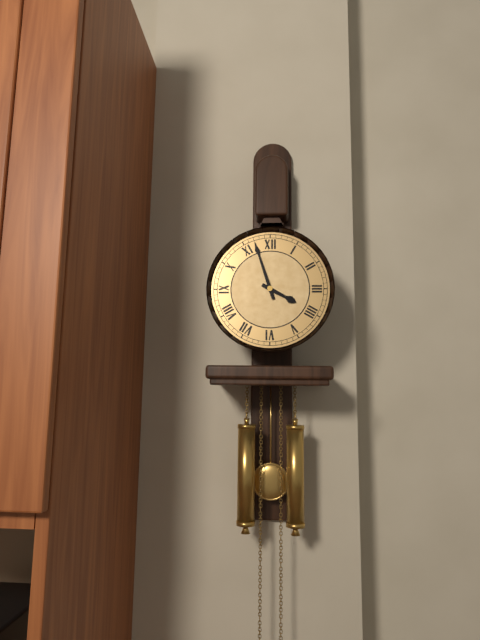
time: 3:57
